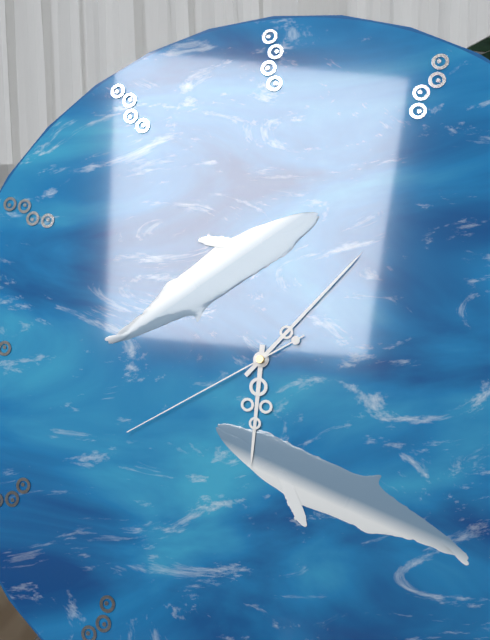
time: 6:07:40
